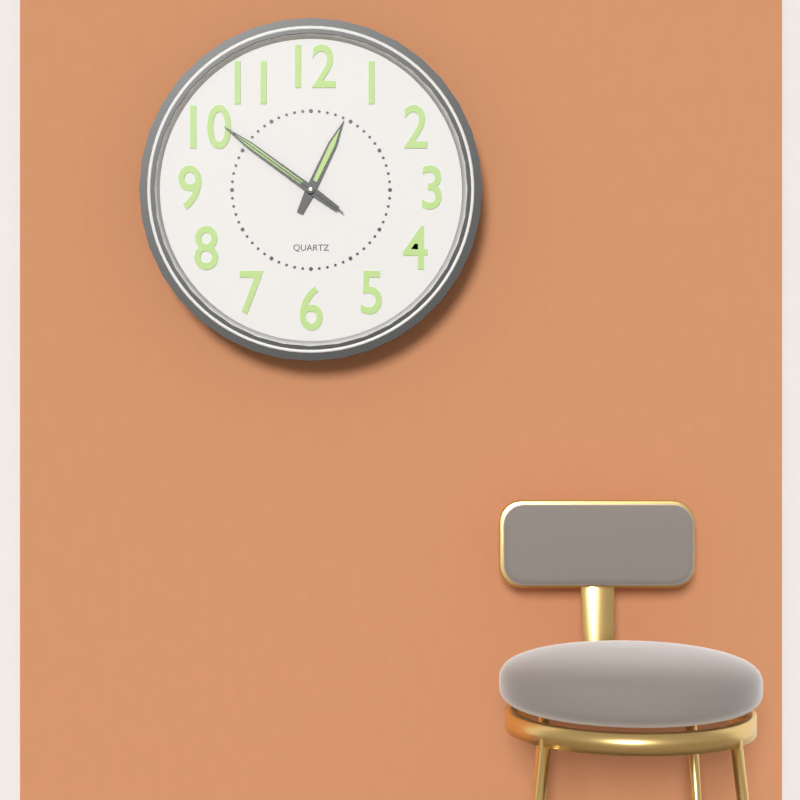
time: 12:51:51
